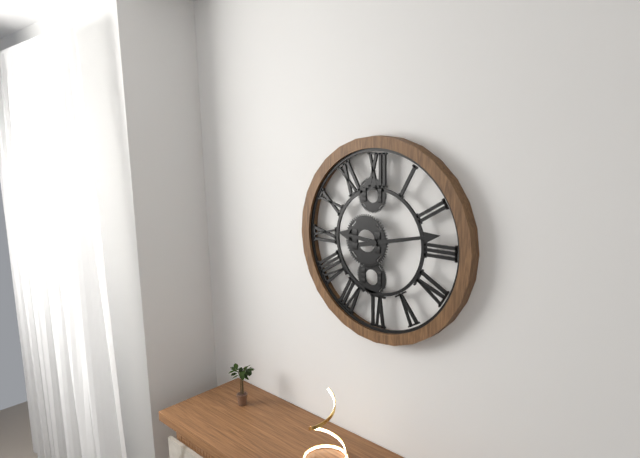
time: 9:13
